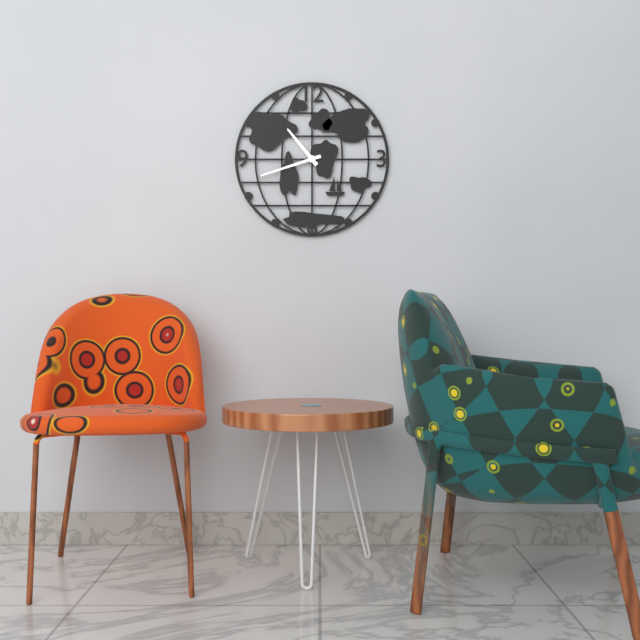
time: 10:42
